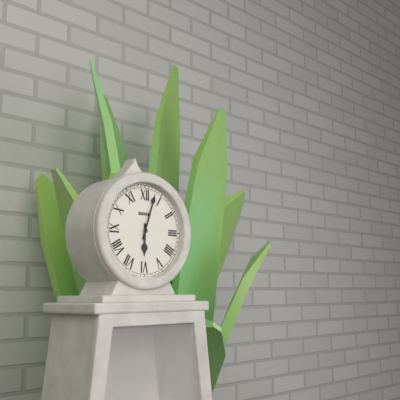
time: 6:03
